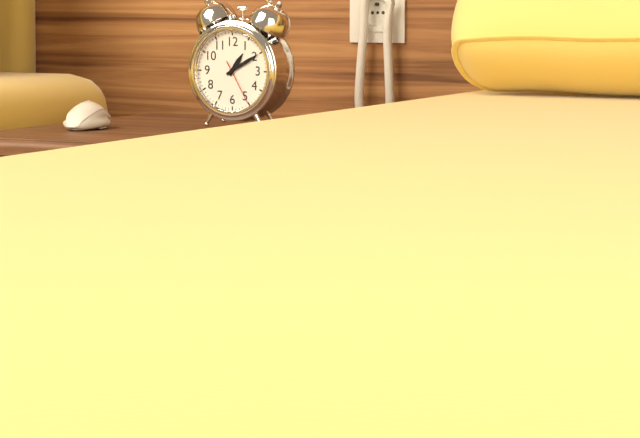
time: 1:10
